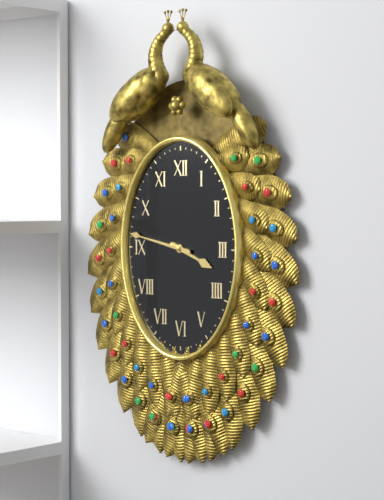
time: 3:47
